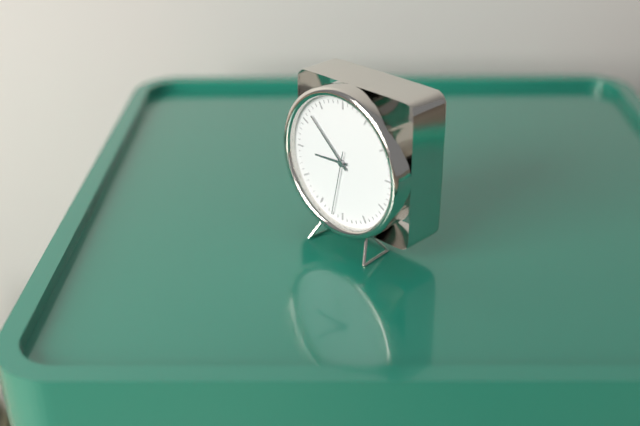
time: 8:52:32
